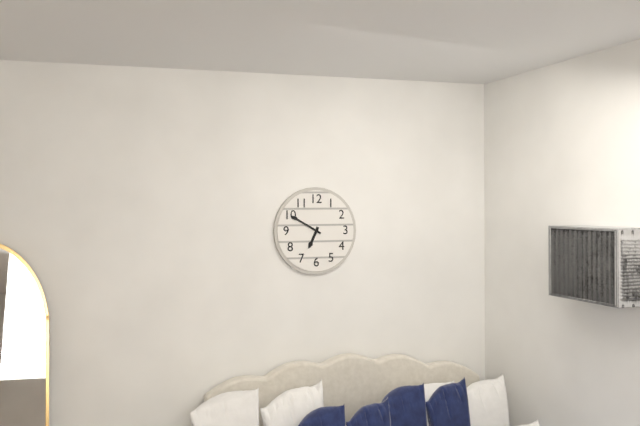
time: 6:50
